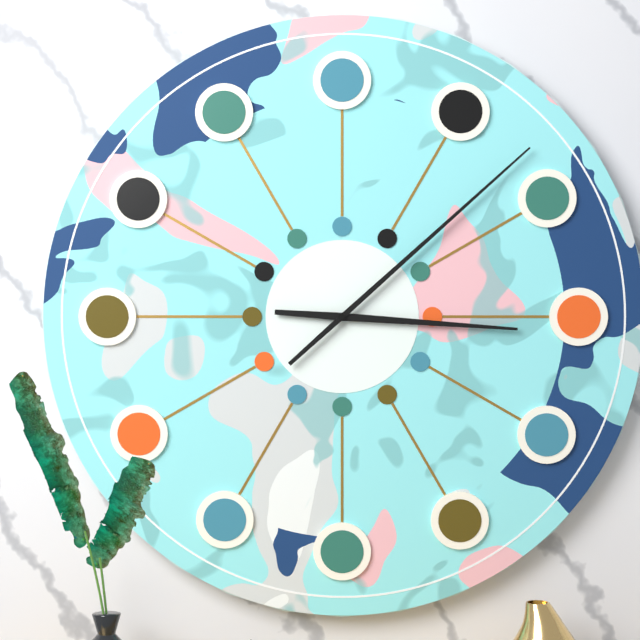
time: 3:08
